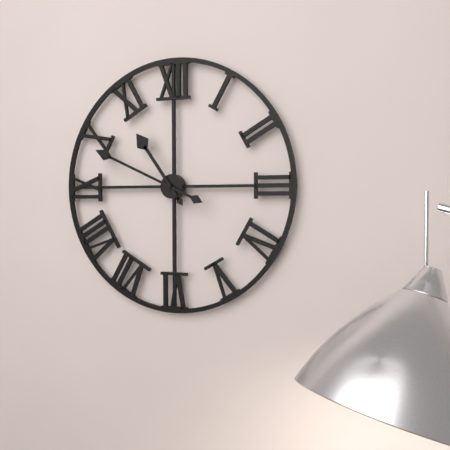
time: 10:49
